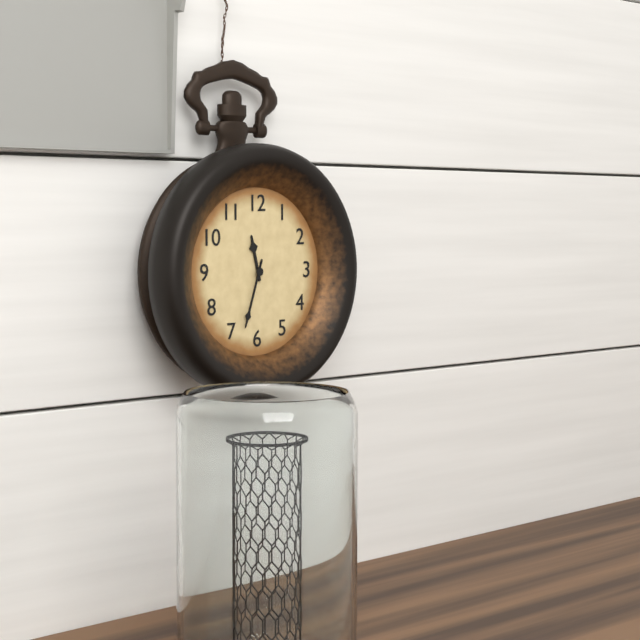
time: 11:33
